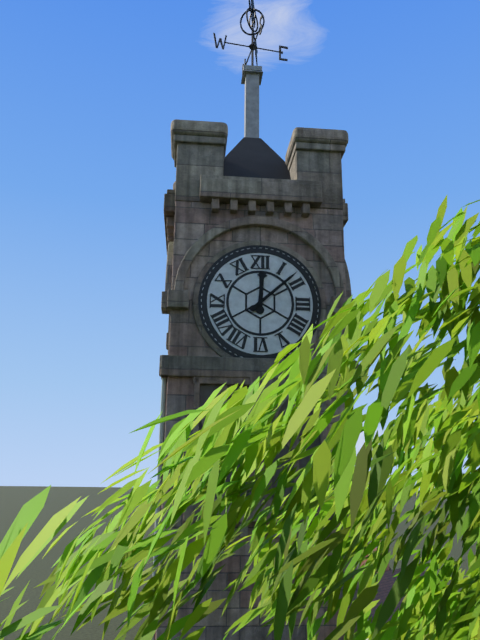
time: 12:08
